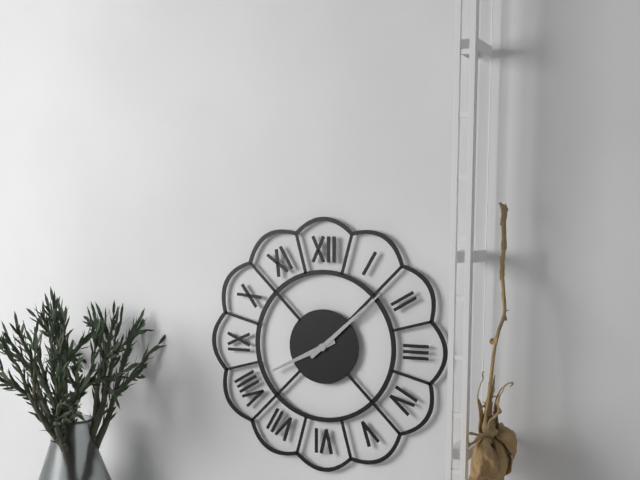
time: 8:08
